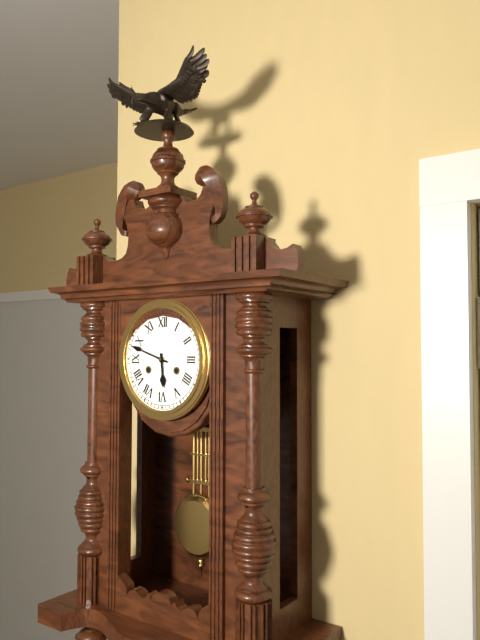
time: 5:48
